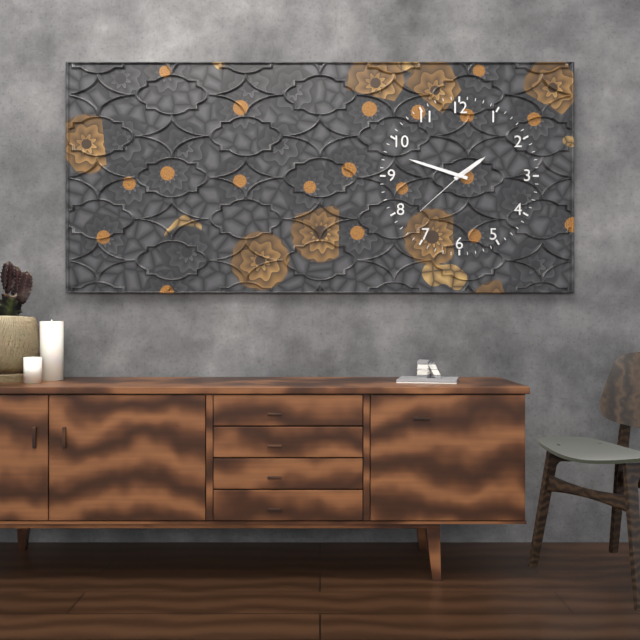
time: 1:48:38
